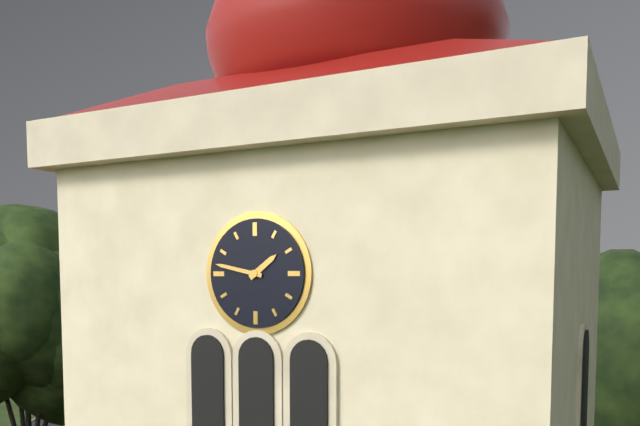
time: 1:47
